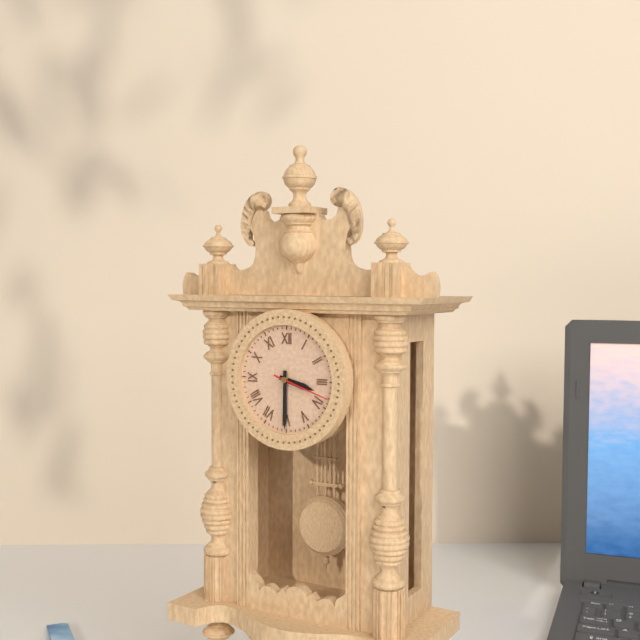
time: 3:30:18
